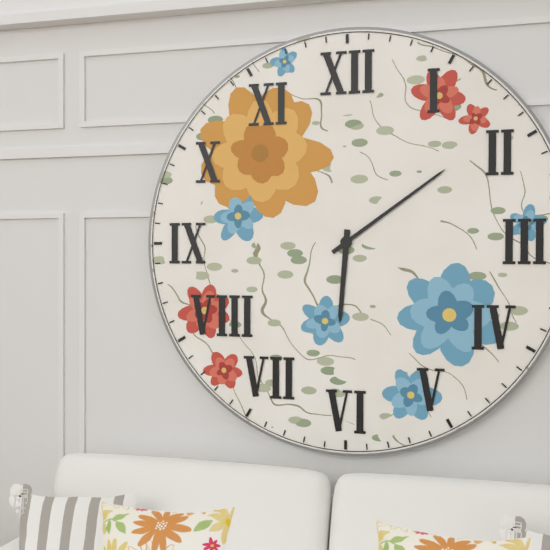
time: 6:09
